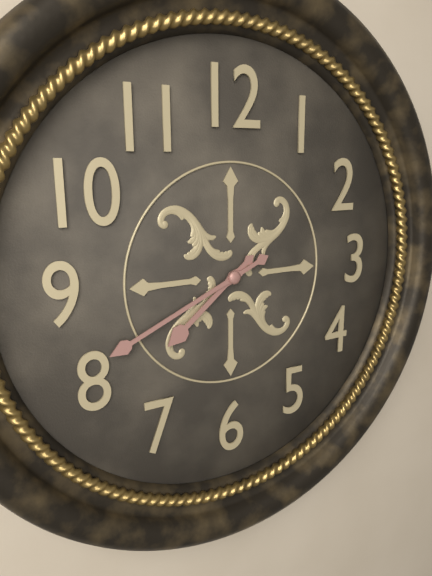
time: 7:41
